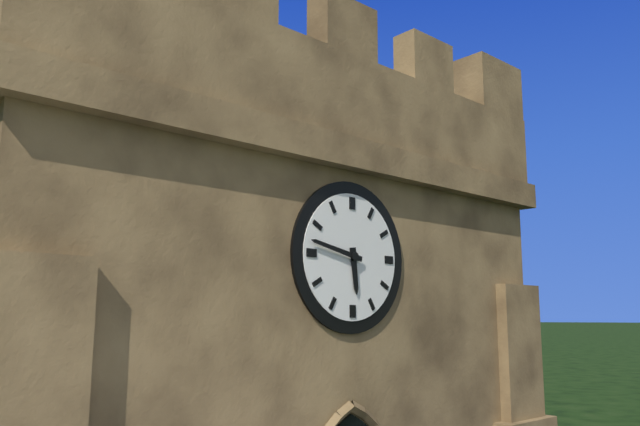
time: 5:47
